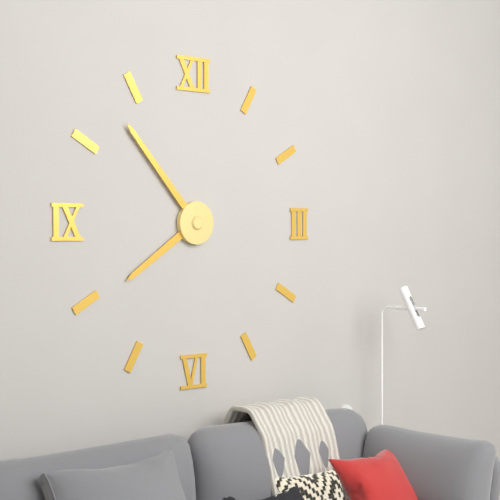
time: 7:53
